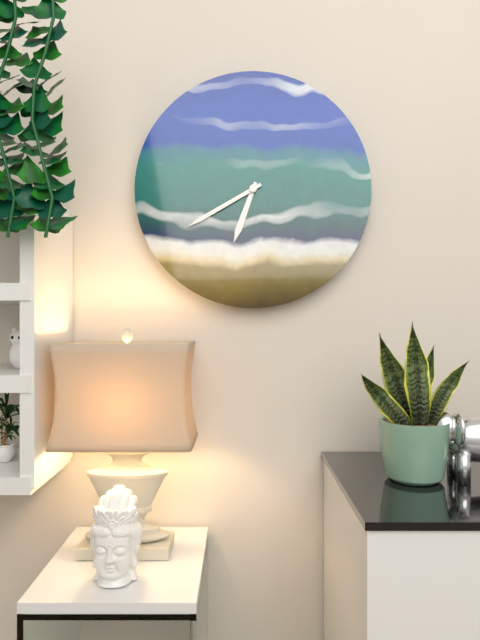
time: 6:40
